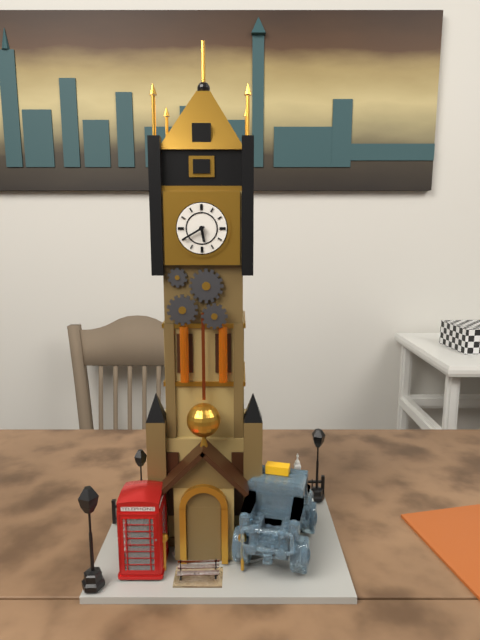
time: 5:40
